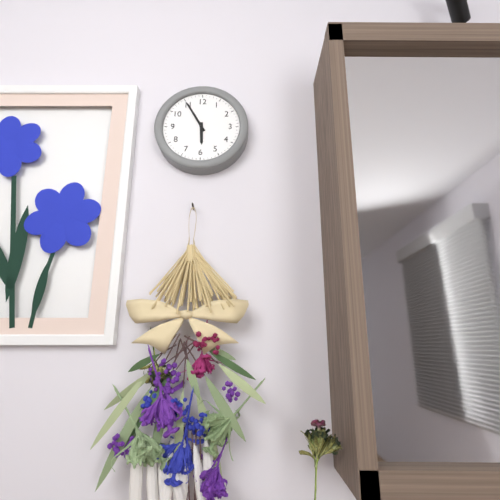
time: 5:55
